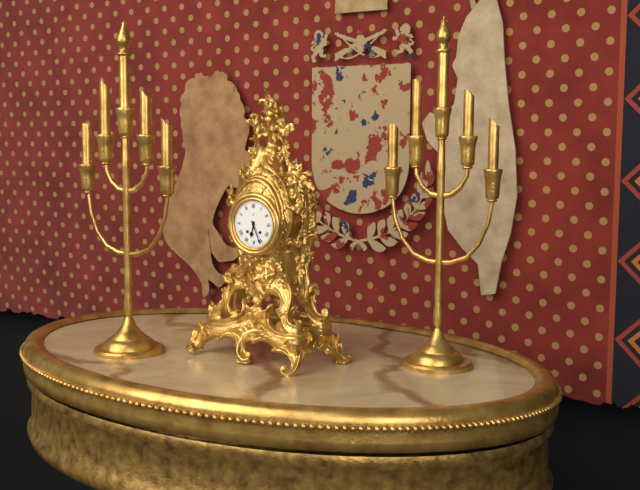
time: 6:26
